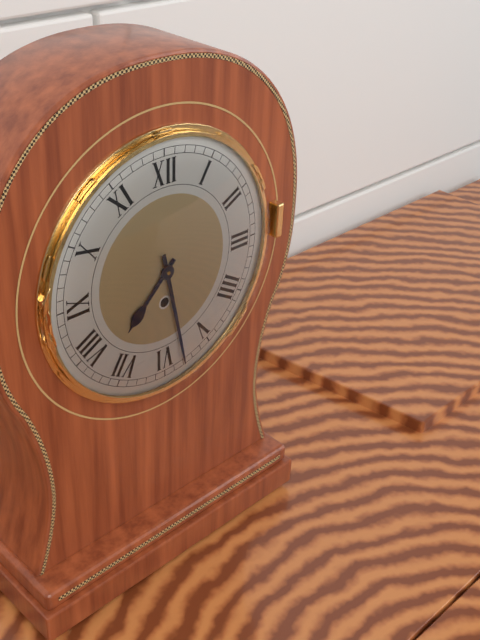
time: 7:28
